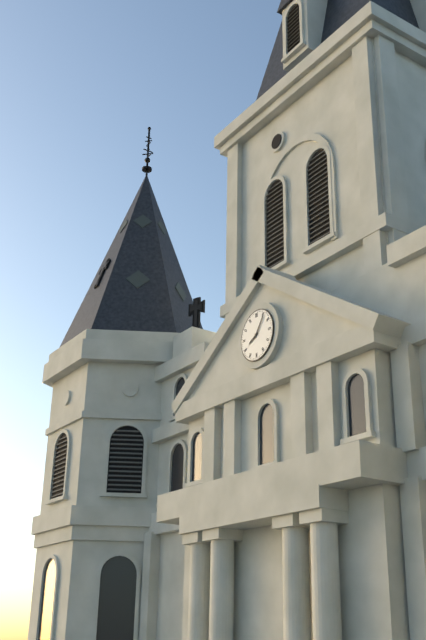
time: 8:06
